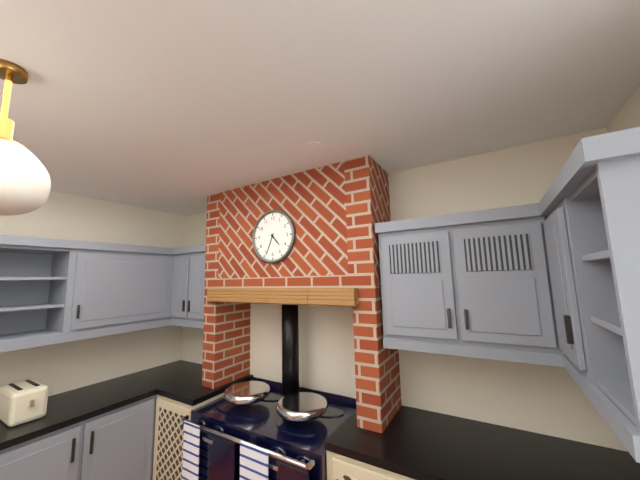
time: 4:34
